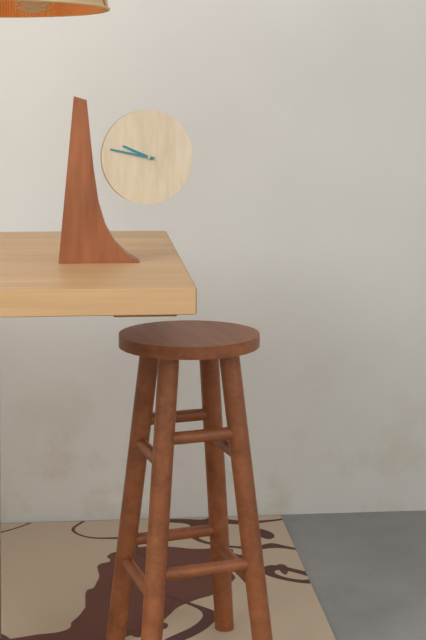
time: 9:47
